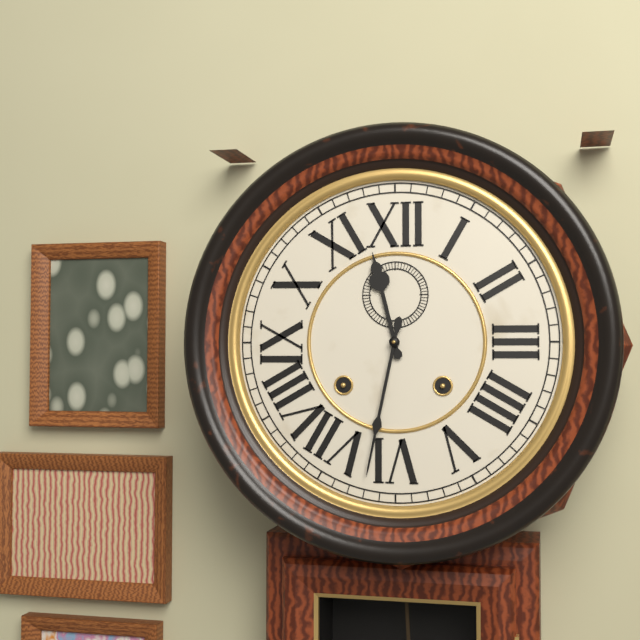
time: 11:32
